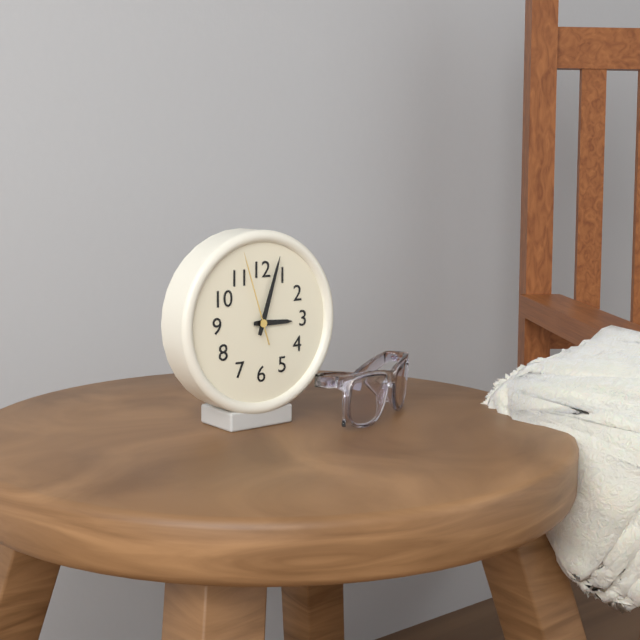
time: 3:03:57
